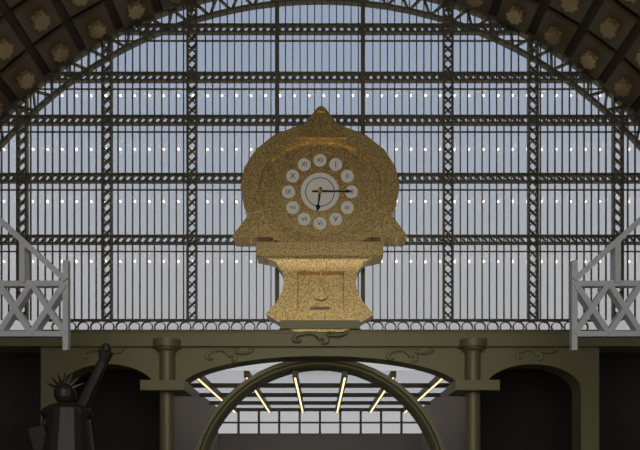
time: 6:15
